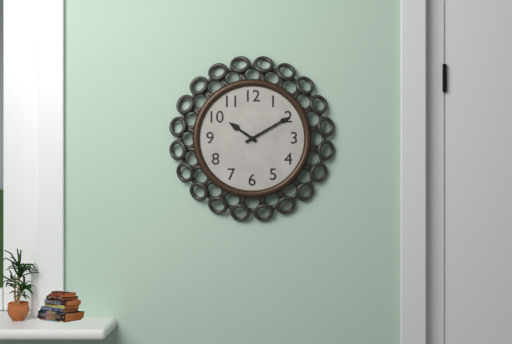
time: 10:10
